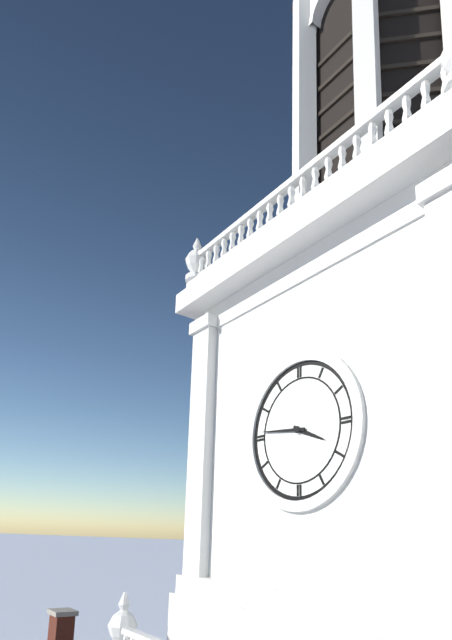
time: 3:46
